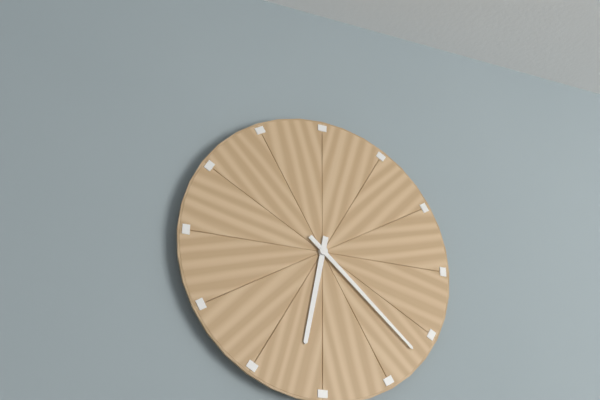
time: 6:22
